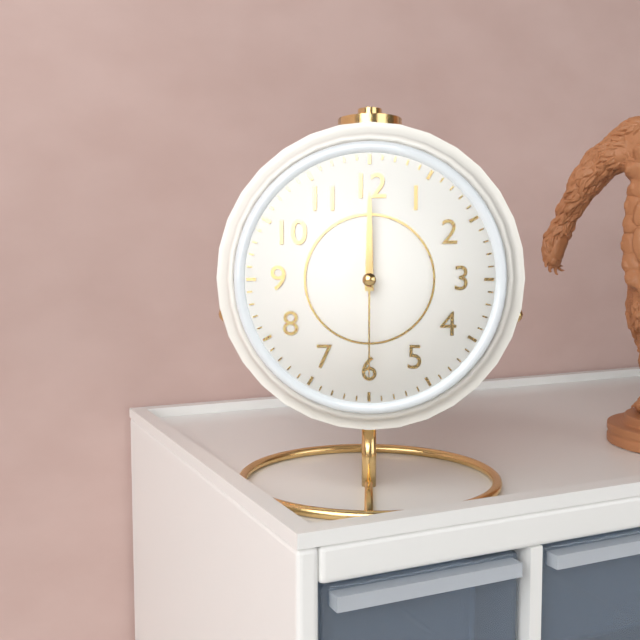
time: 12:00:30
